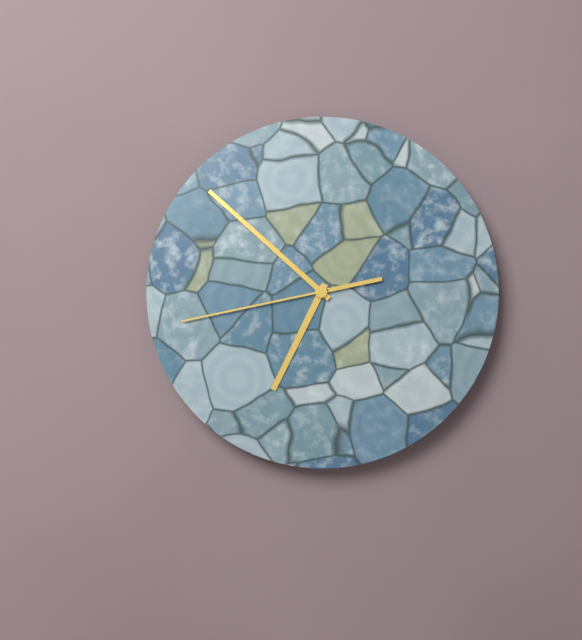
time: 6:52:43
